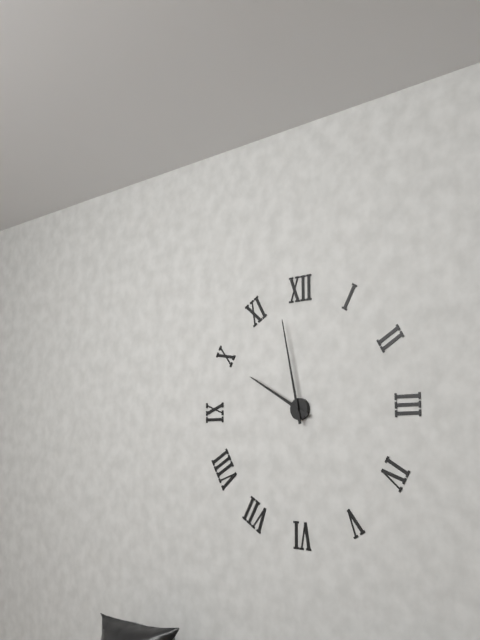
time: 9:58
